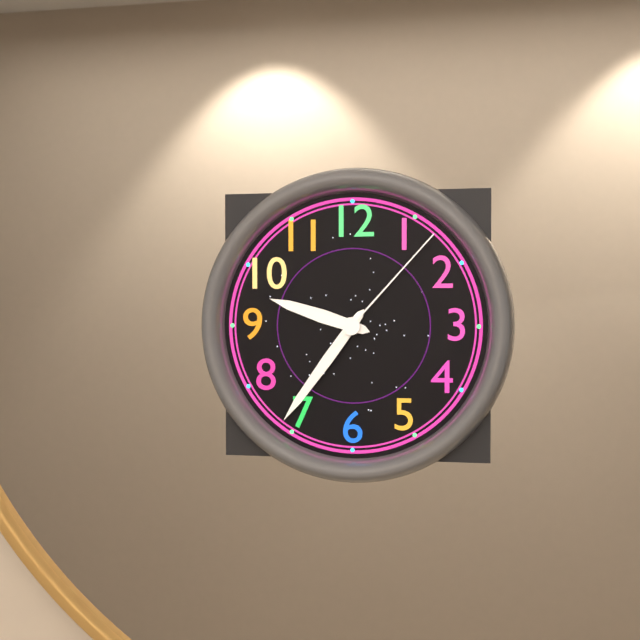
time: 9:36:07
